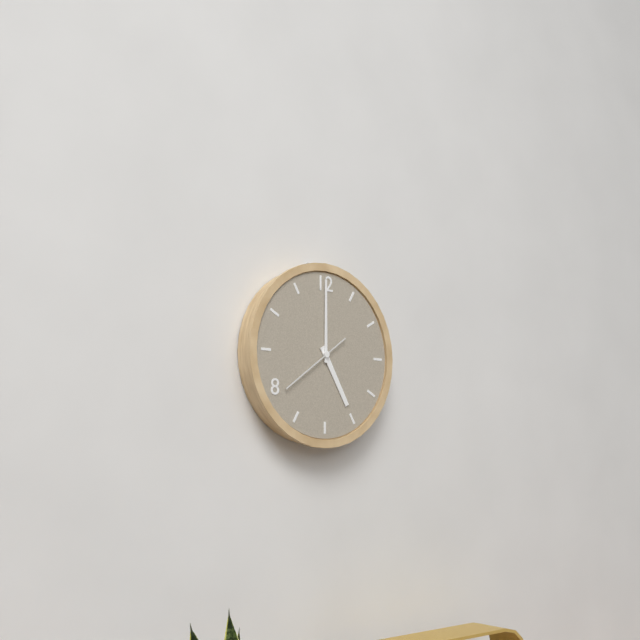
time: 5:00:39
